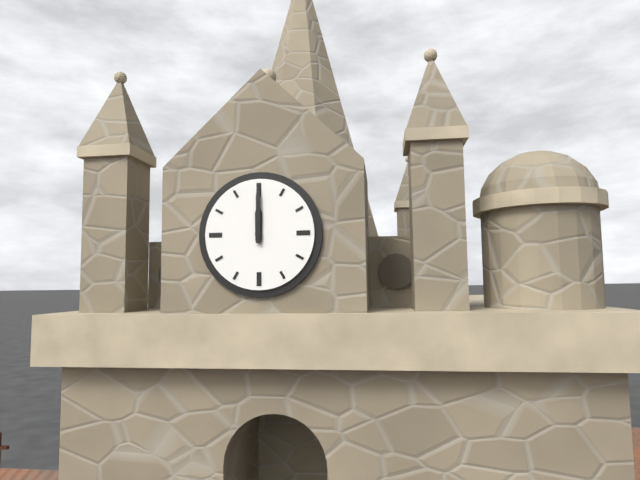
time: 12:00
